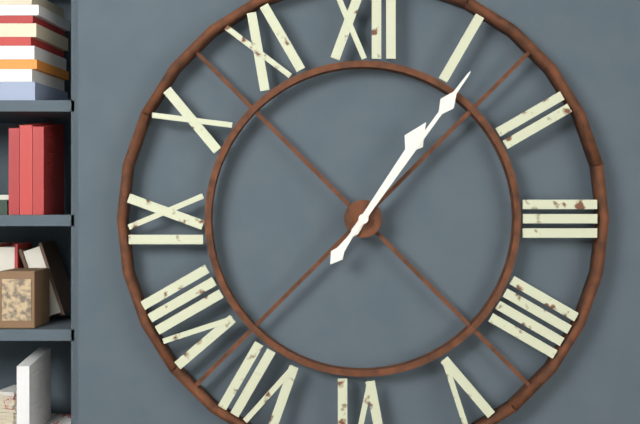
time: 1:06
